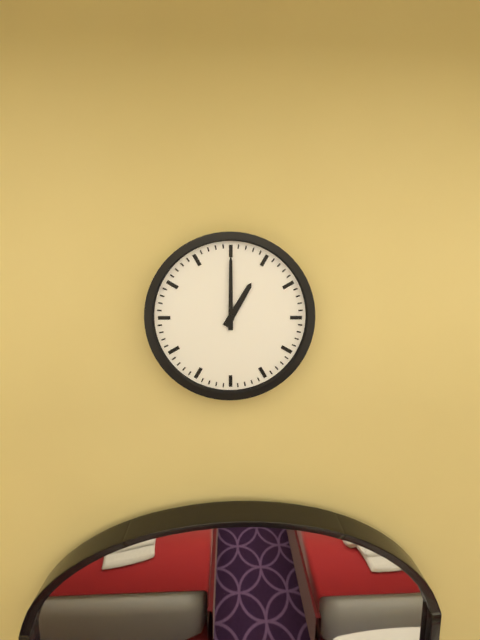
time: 1:00
